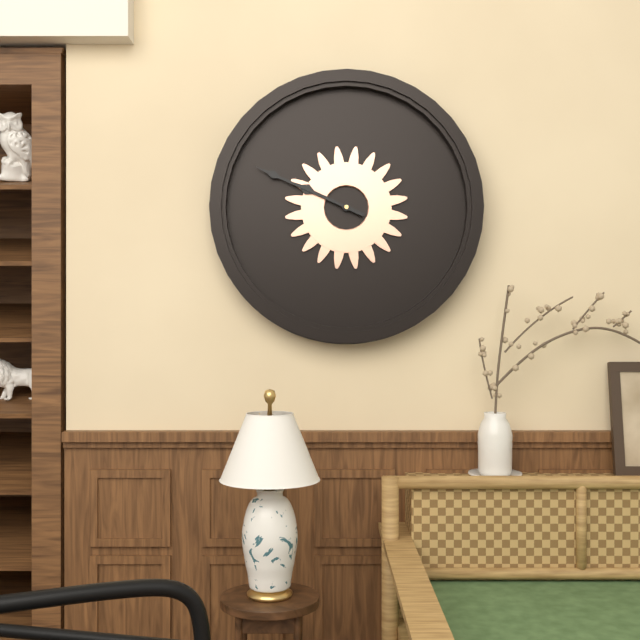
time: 9:49
